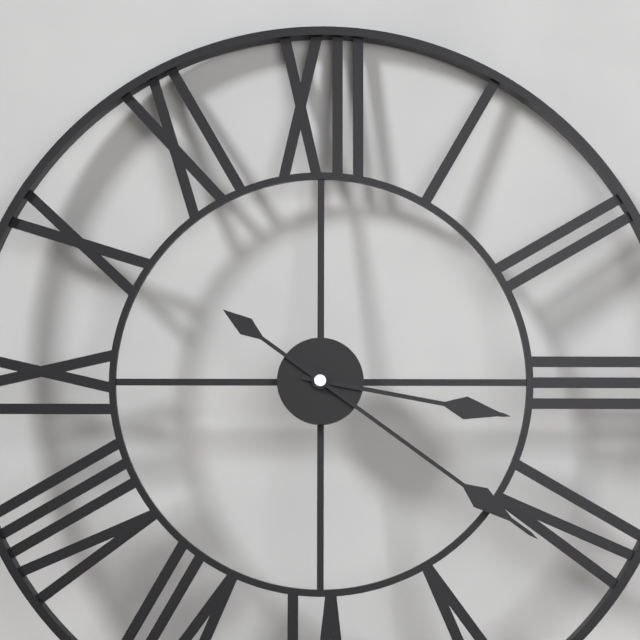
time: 3:21
